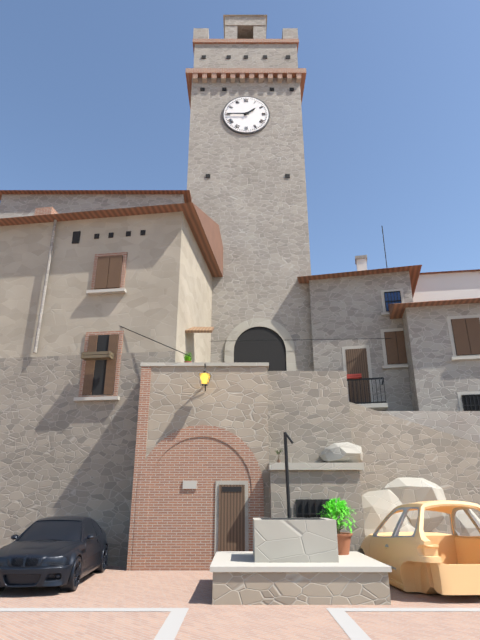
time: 1:45
